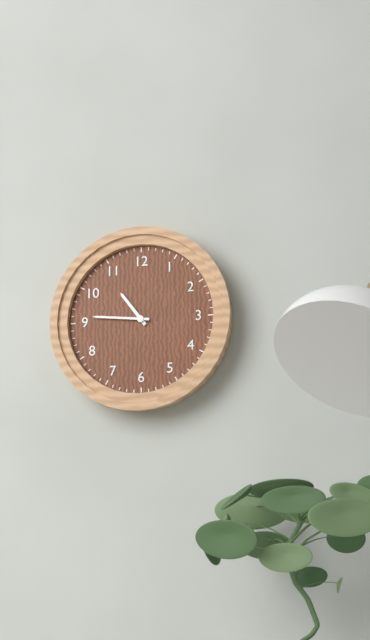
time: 10:46
